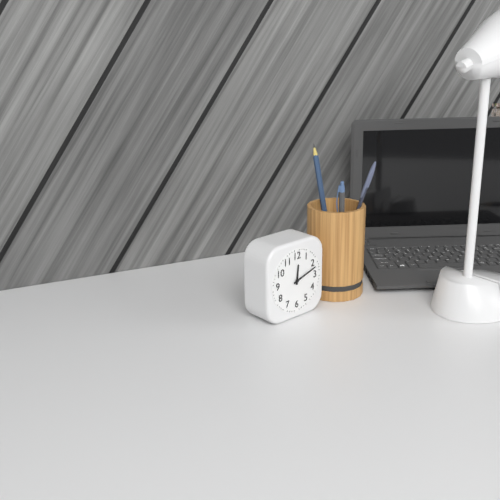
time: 12:12
